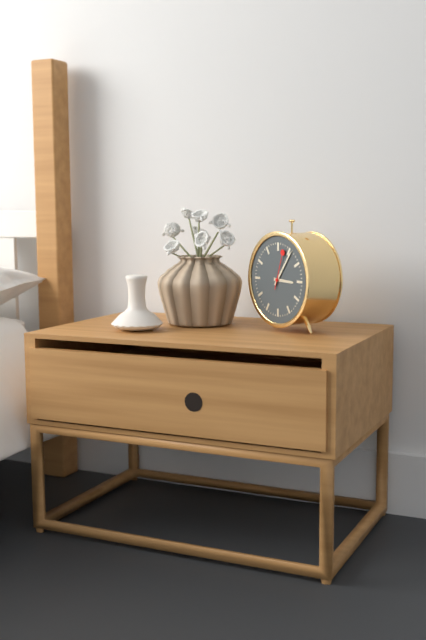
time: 3:06
